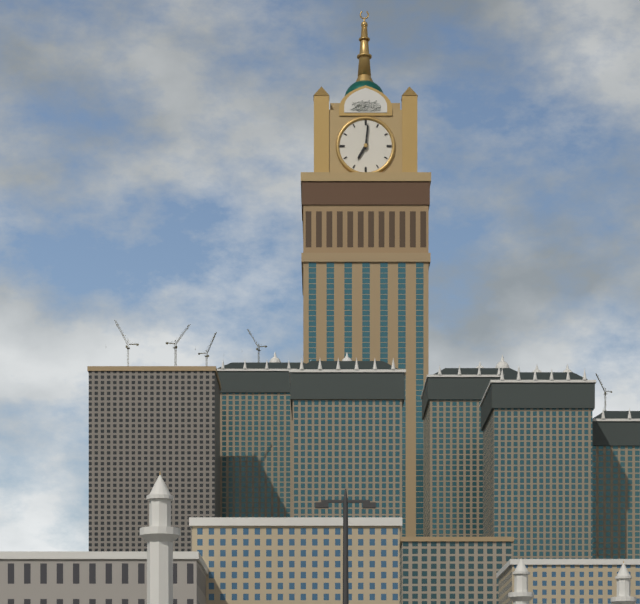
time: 7:01
